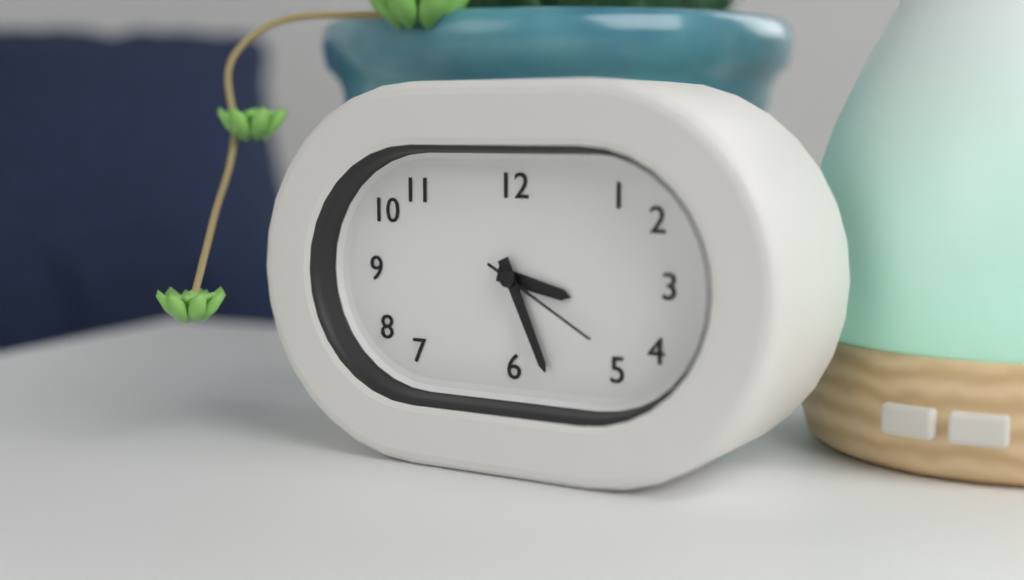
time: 3:26:20
